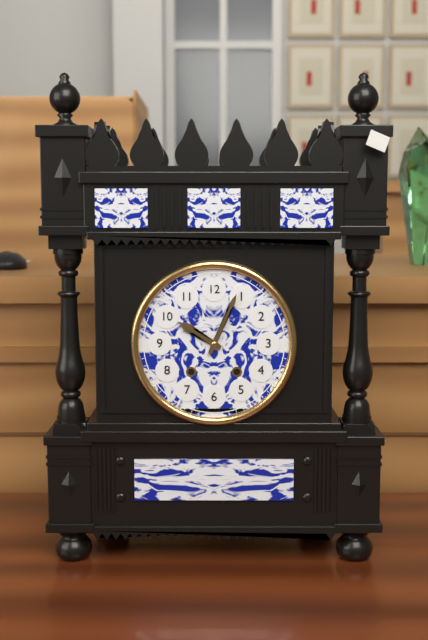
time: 10:04
